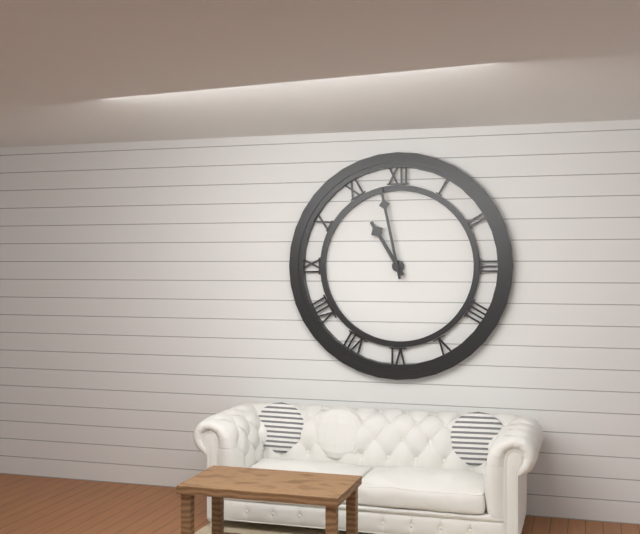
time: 10:58
